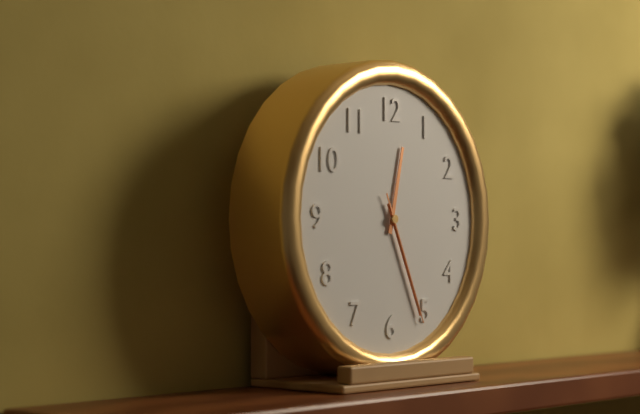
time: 12:26:26
